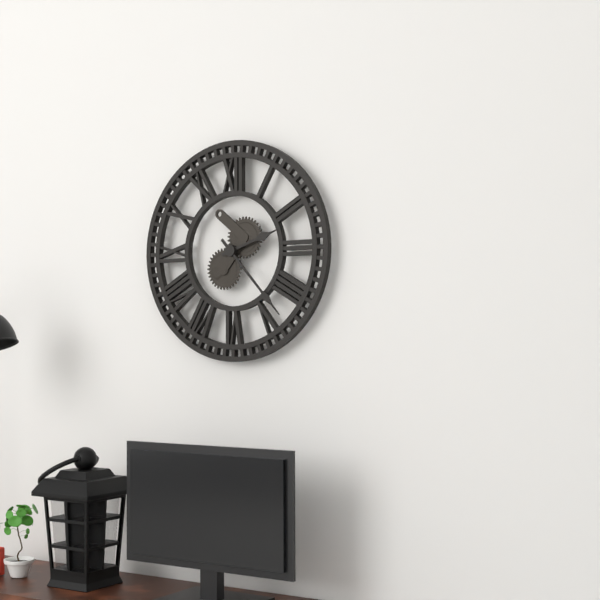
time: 2:23
